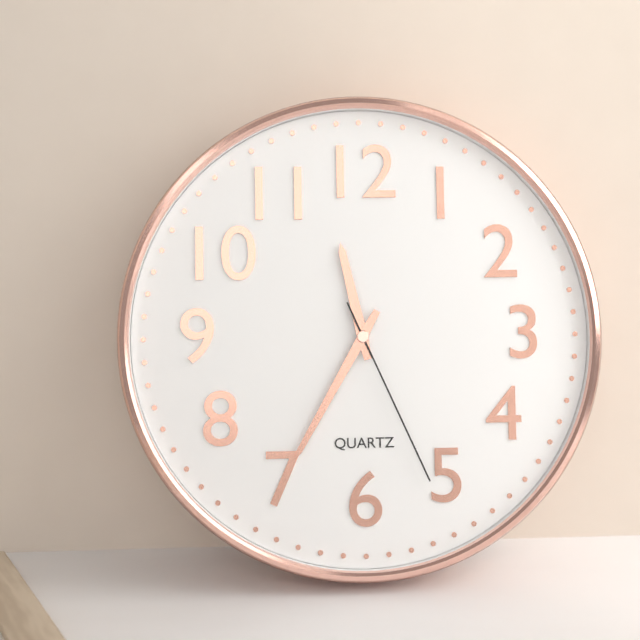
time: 11:35:26
